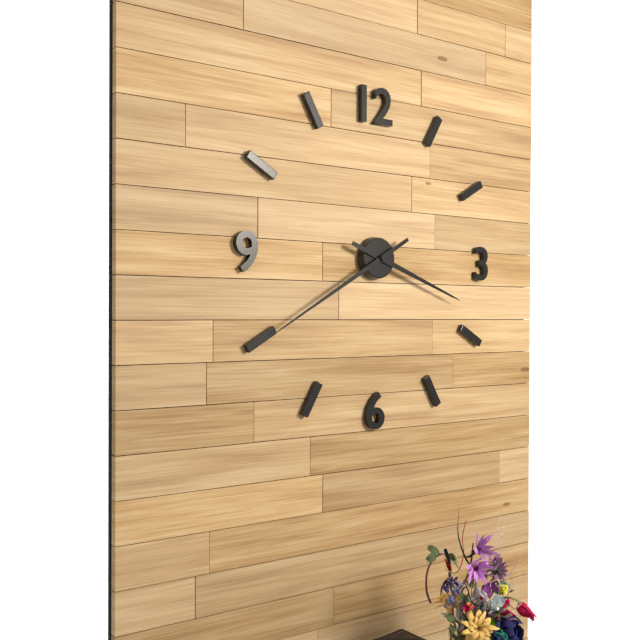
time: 3:40
